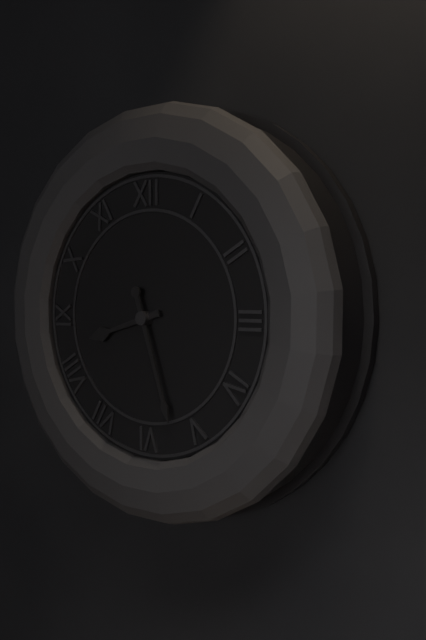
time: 8:27
